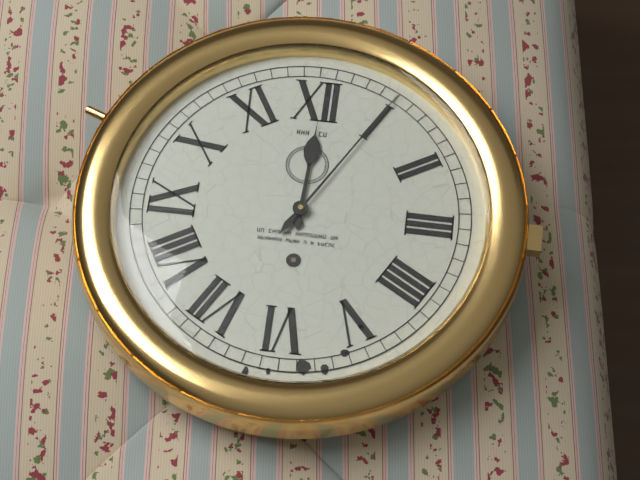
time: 12:05
